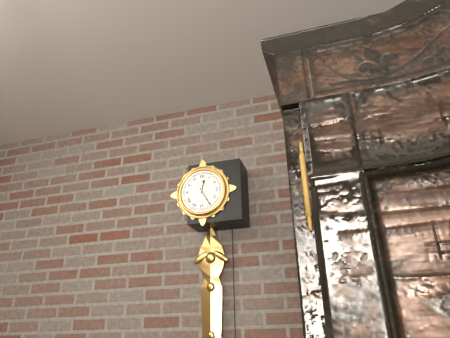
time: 12:25
